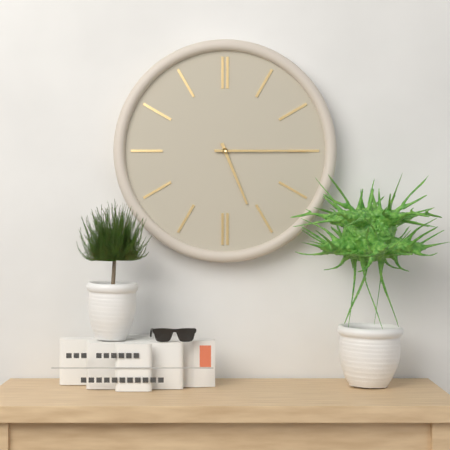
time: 5:15
